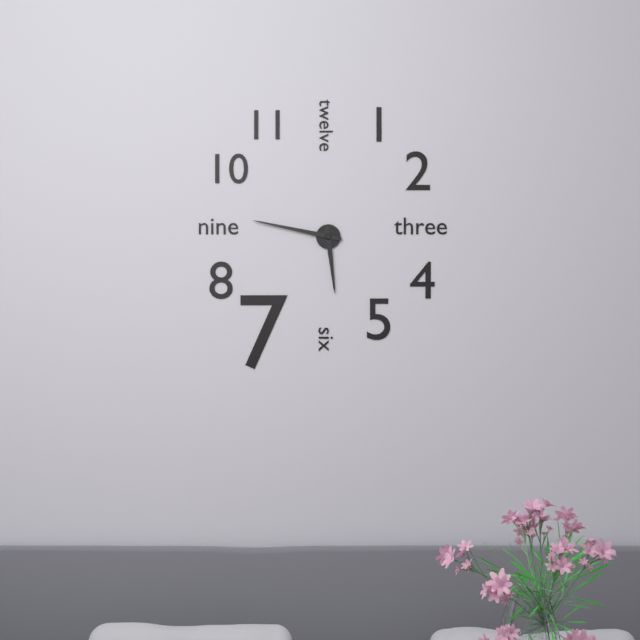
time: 5:47
